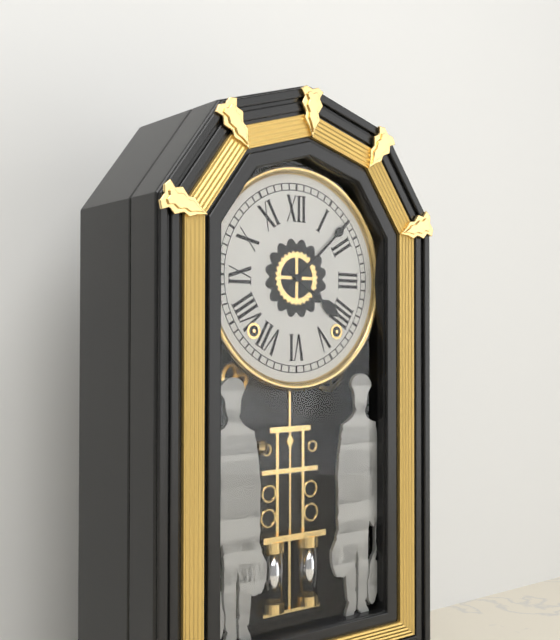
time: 4:08
